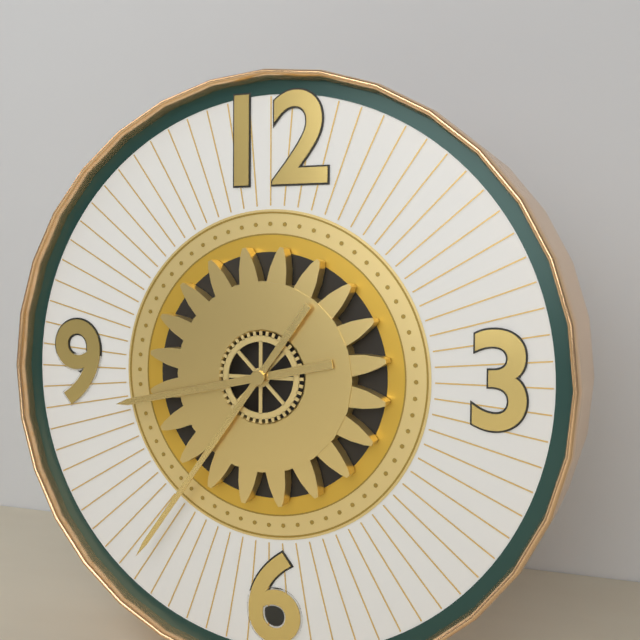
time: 8:36
